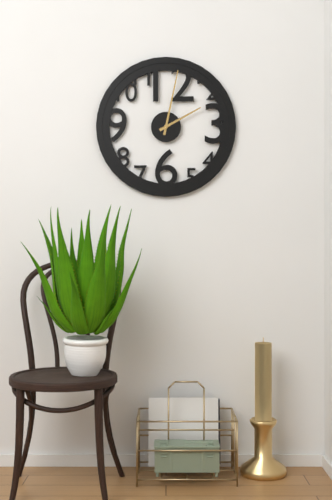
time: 2:02
